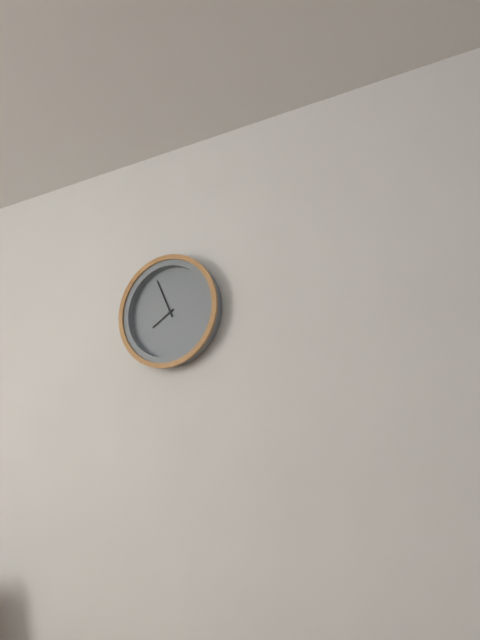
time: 7:56
